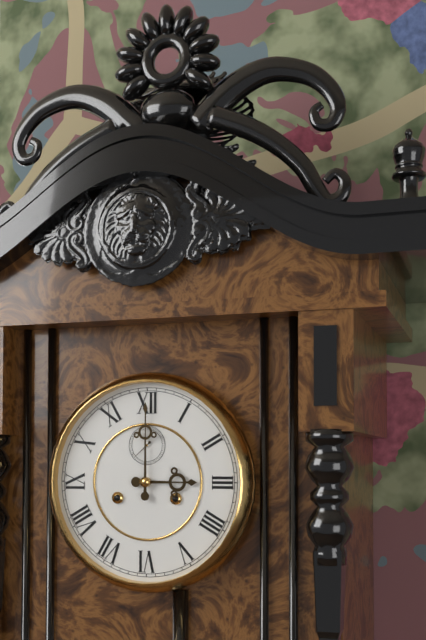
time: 3:00
